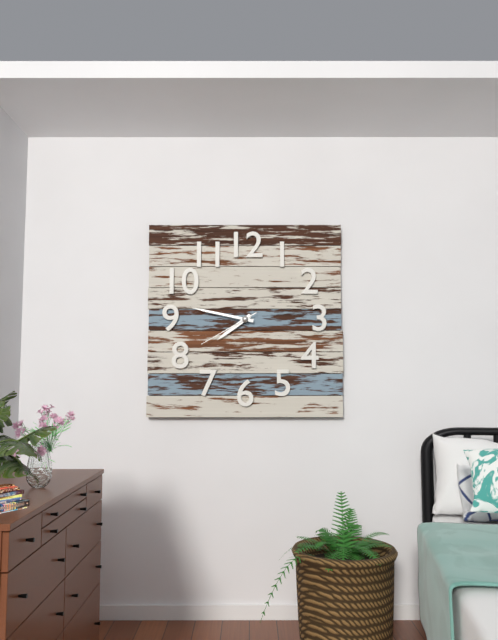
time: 7:47:40
